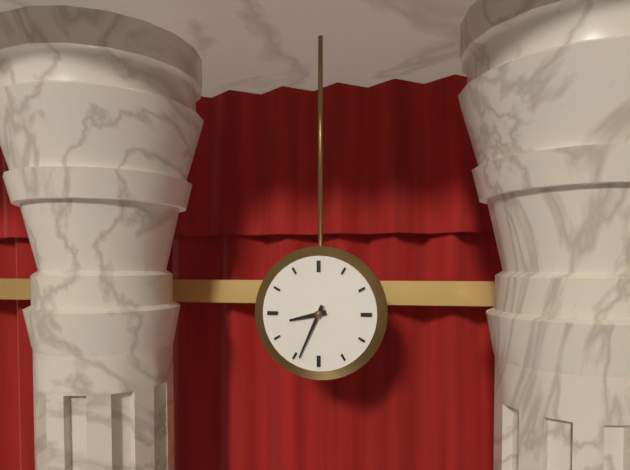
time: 8:34
